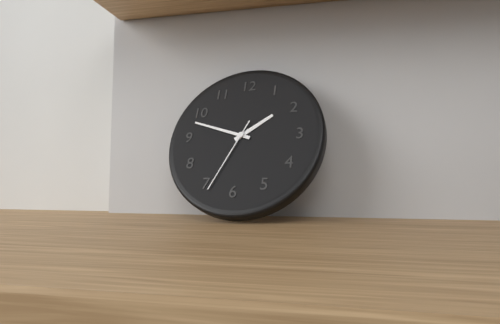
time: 1:48:34
